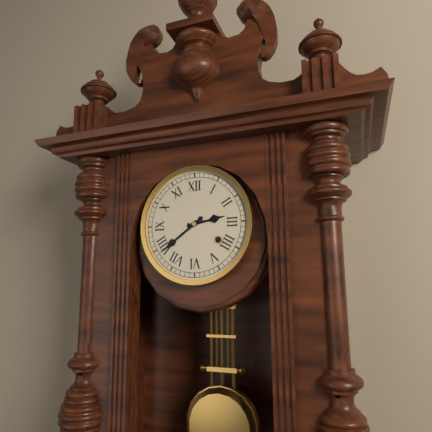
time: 2:39
